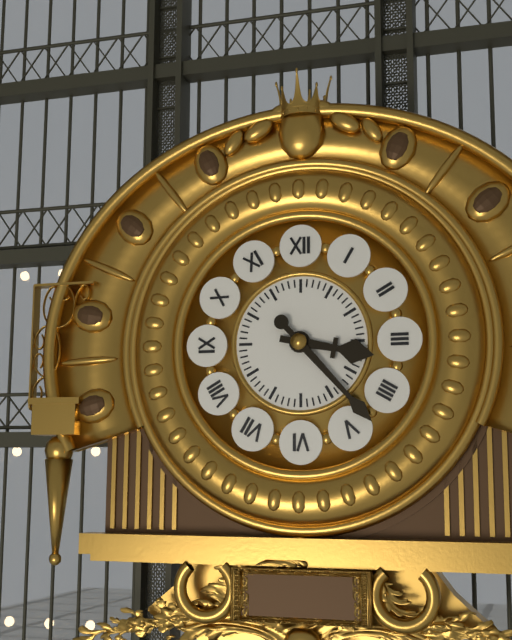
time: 3:23
